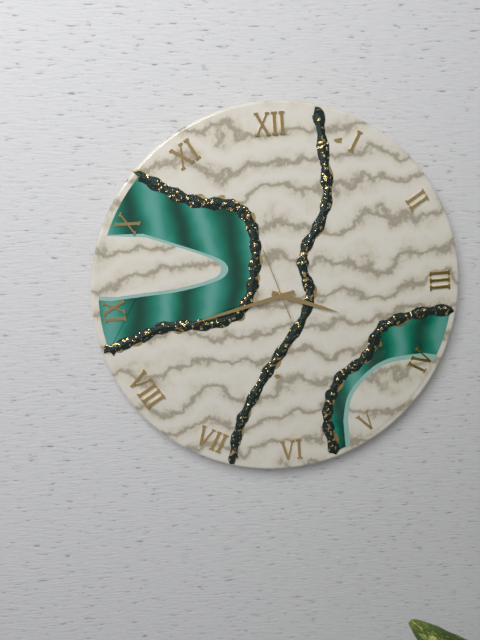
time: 3:43:57
